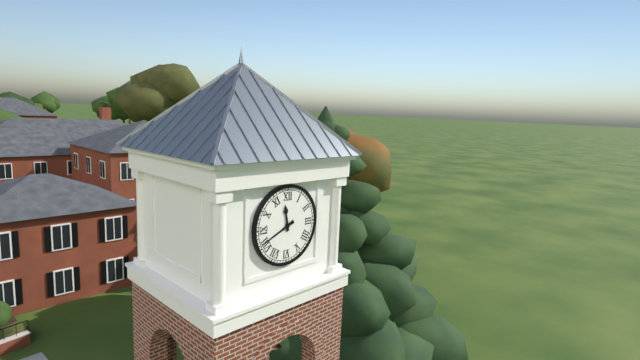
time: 11:41
